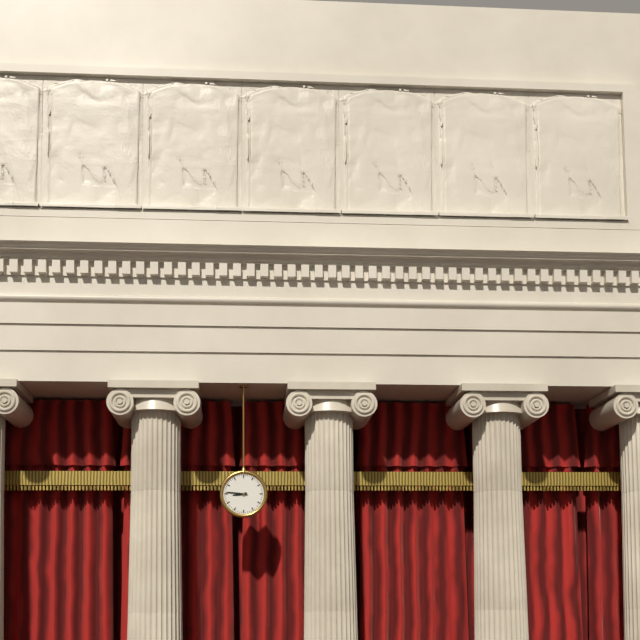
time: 8:46
